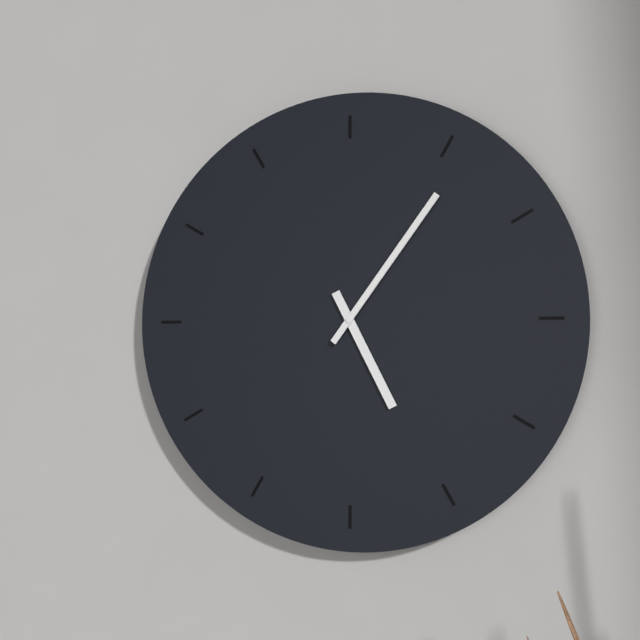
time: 5:06
